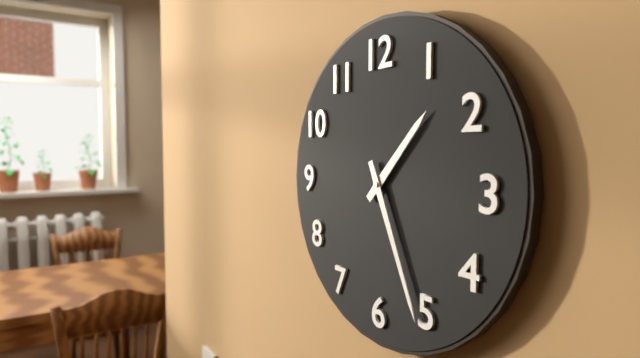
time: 1:26
